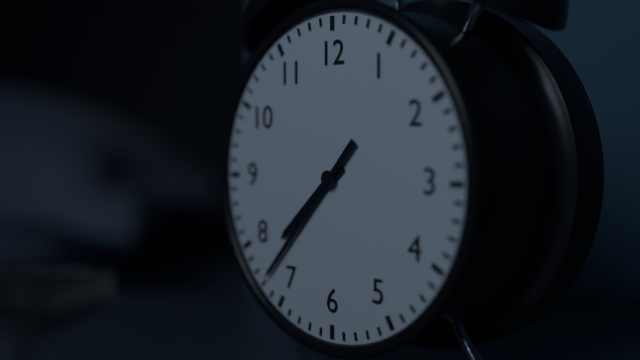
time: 7:37
